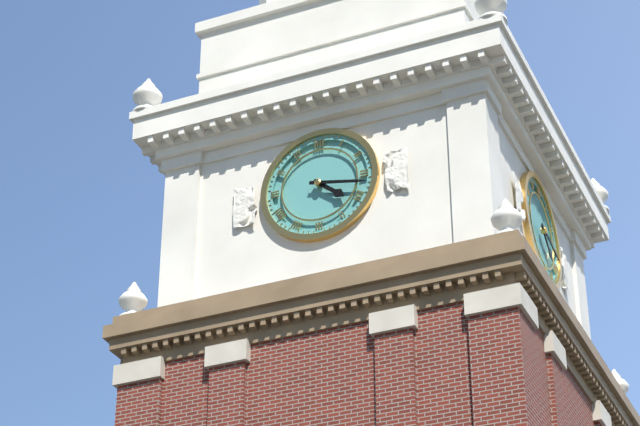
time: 4:17
